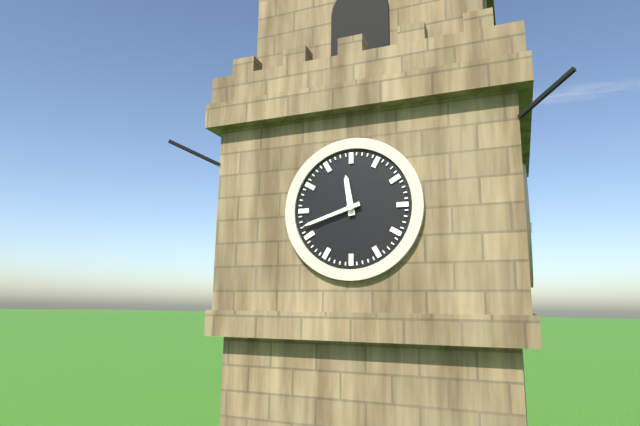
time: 11:42
